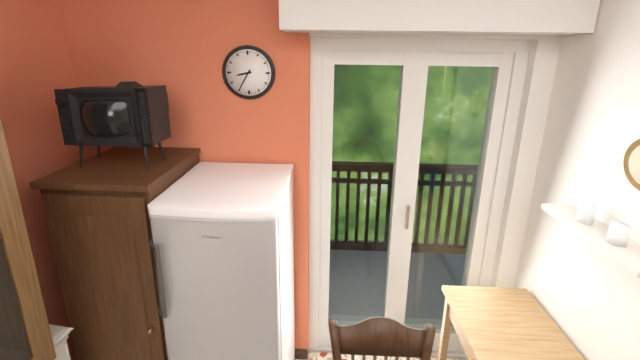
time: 8:35
